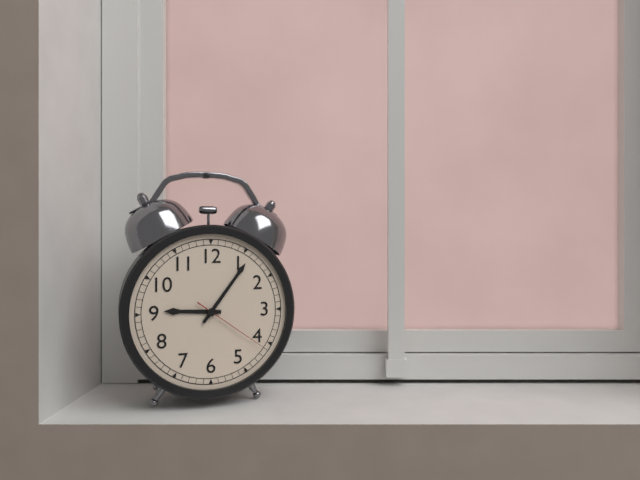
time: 9:06:21
